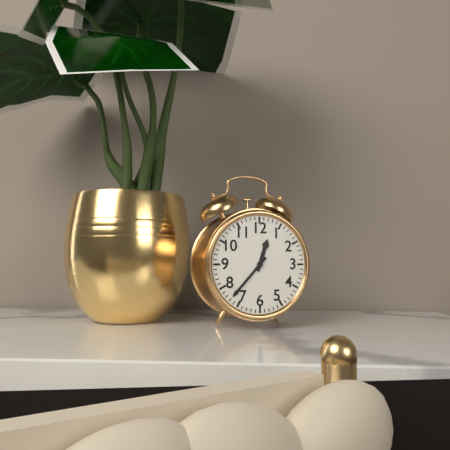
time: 12:37
